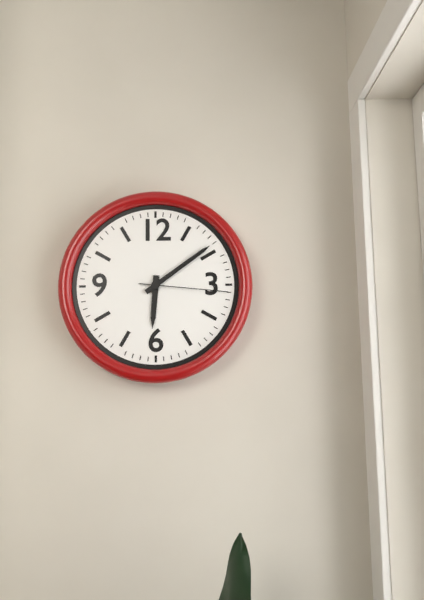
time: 6:09:16
